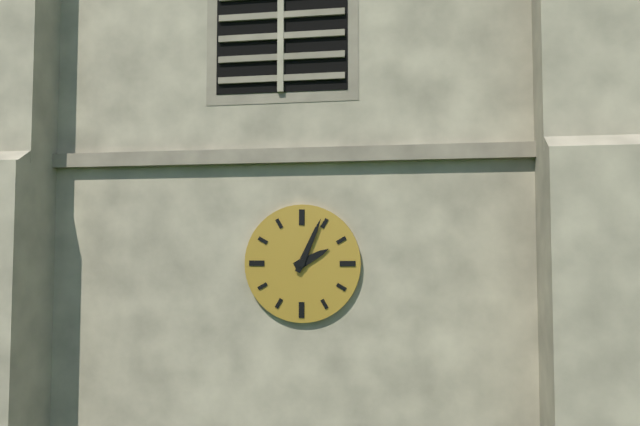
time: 2:04
